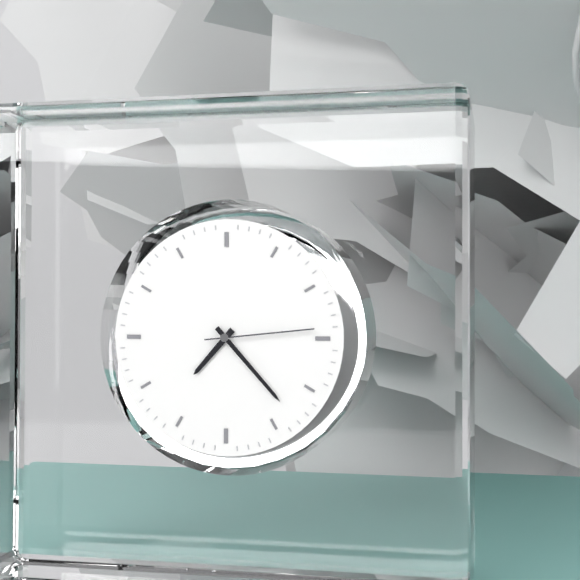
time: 7:23:14
